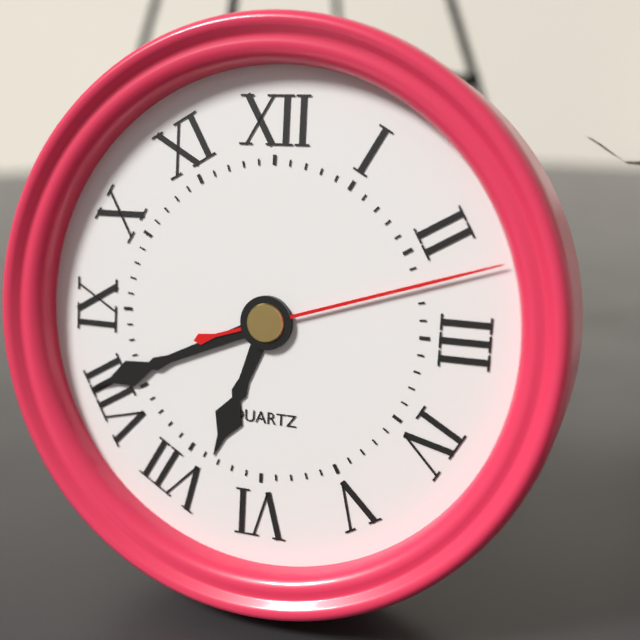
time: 6:41:12
